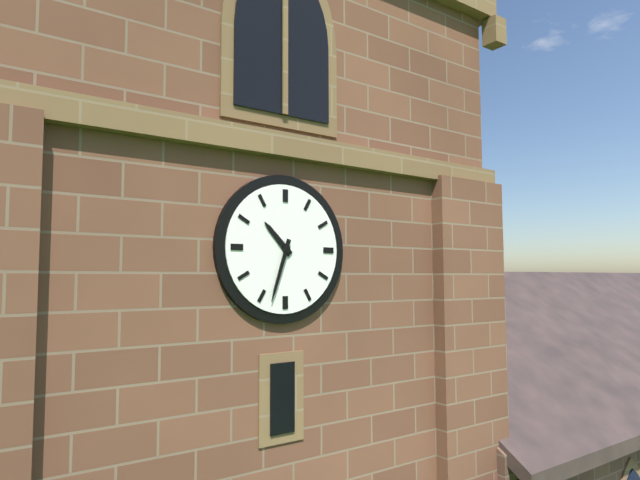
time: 10:33
